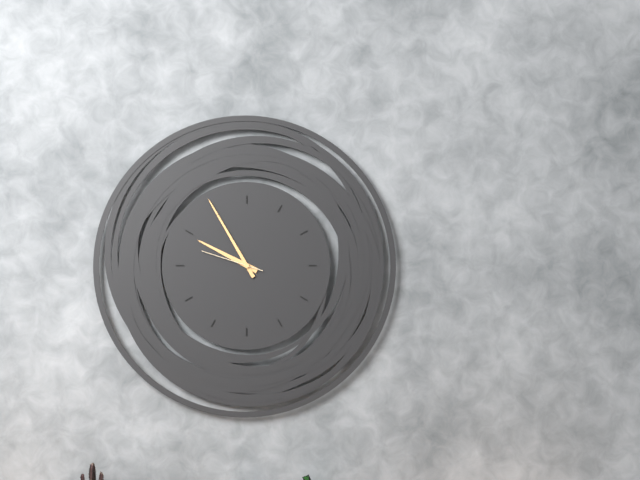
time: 9:55:48
